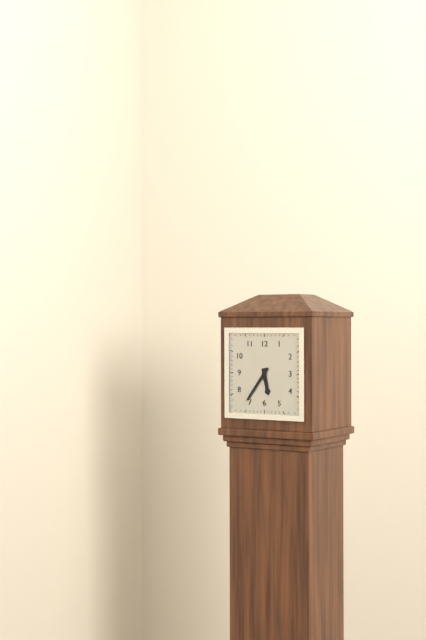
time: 5:36
